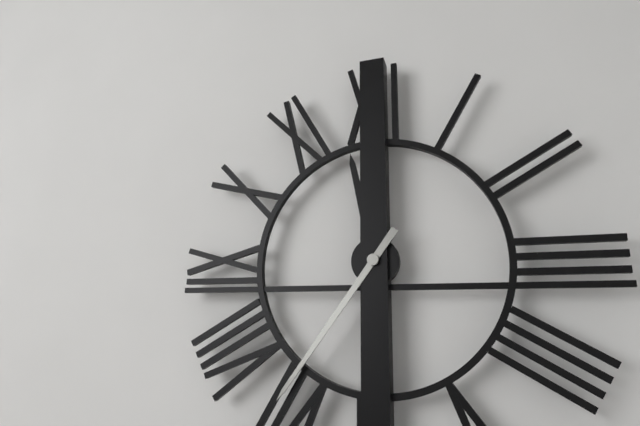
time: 11:36
